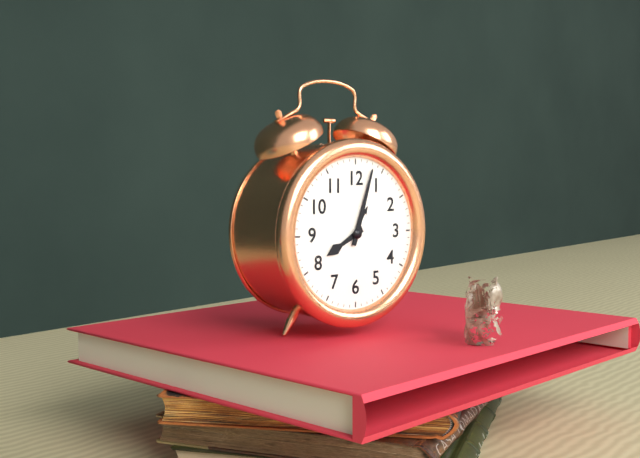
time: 8:03
